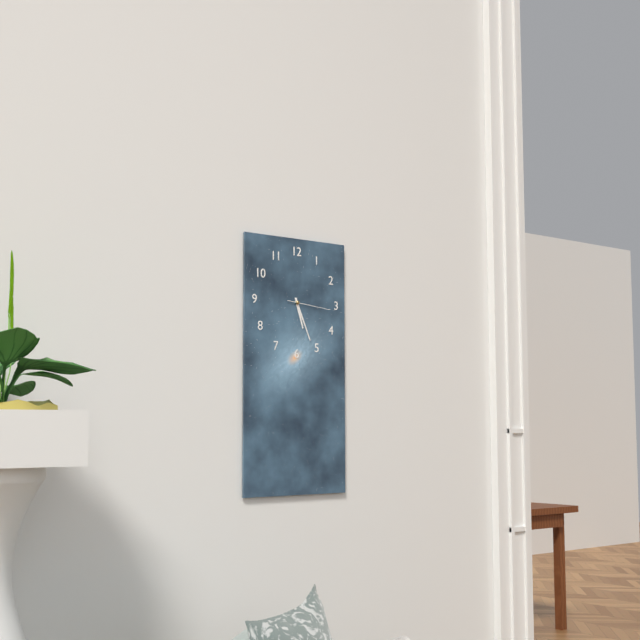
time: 5:26
